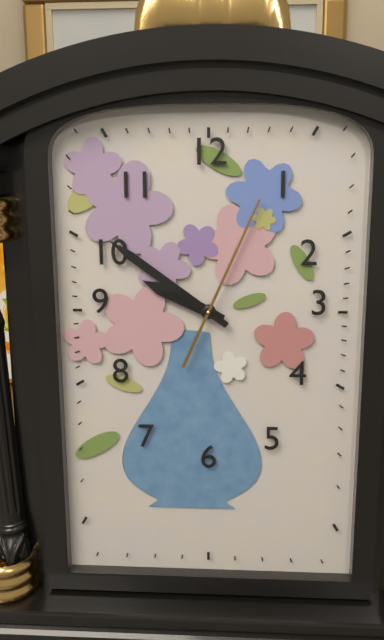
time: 9:51:04
